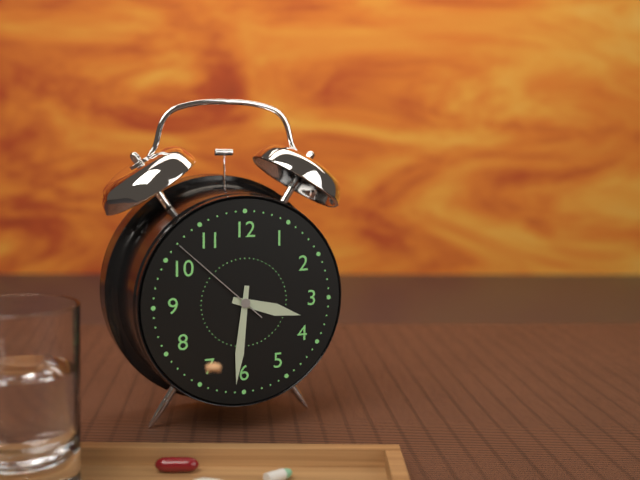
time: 3:31:52
